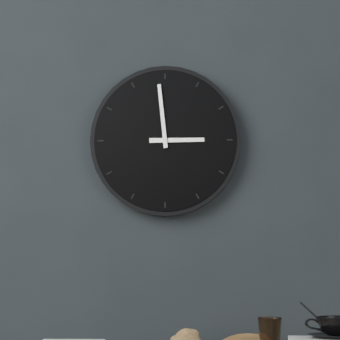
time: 2:59
